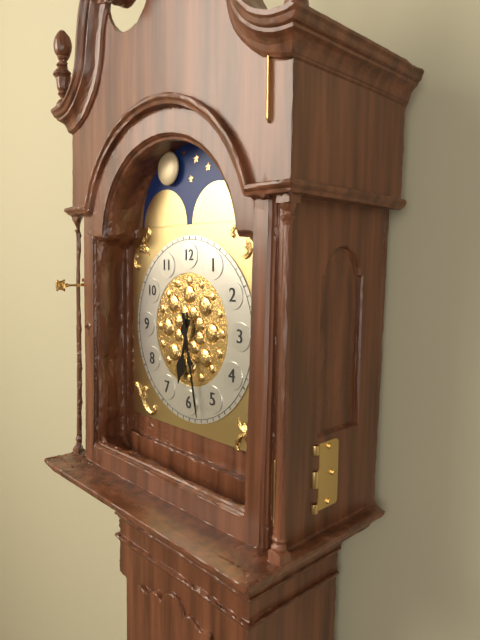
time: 6:28
